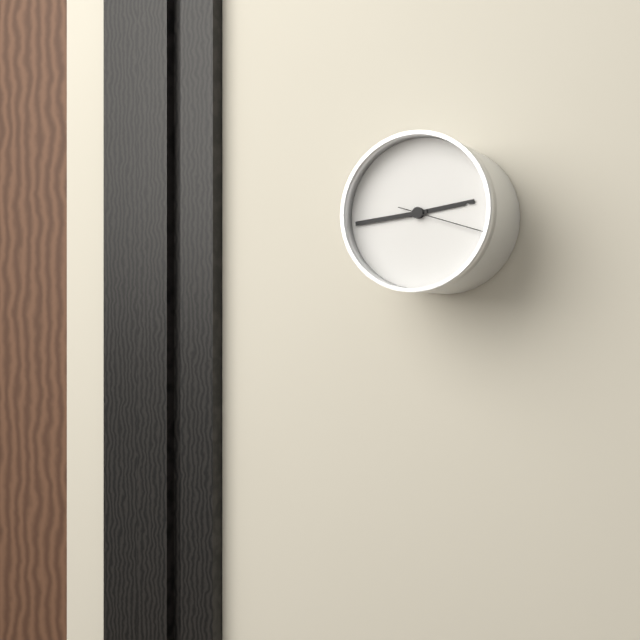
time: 2:44:18
